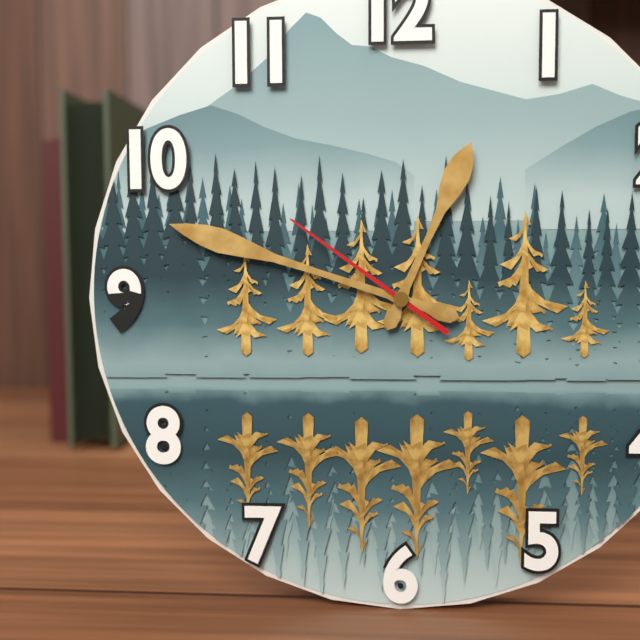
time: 12:48:51
